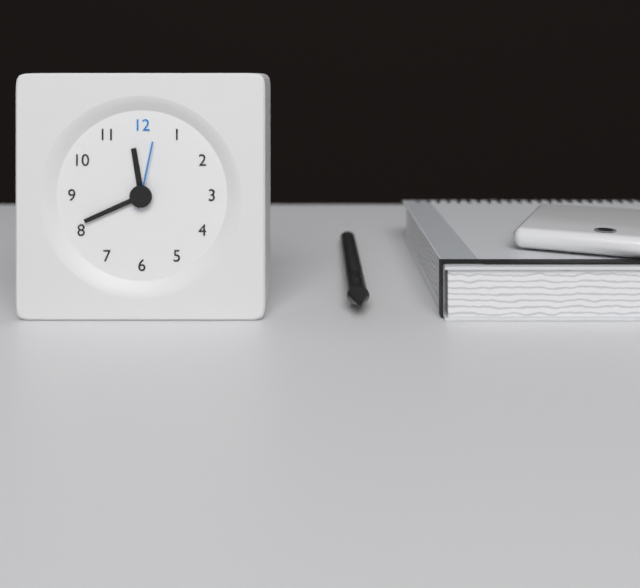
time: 11:41:02
